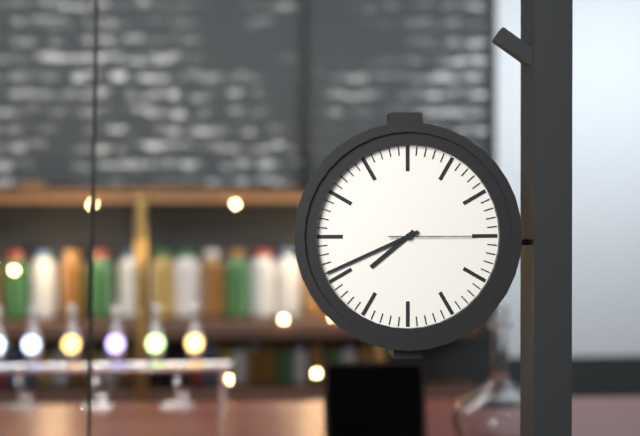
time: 7:41:15
